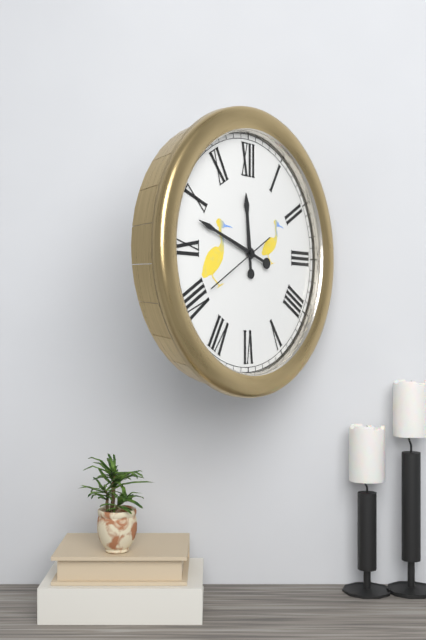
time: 11:48:40
